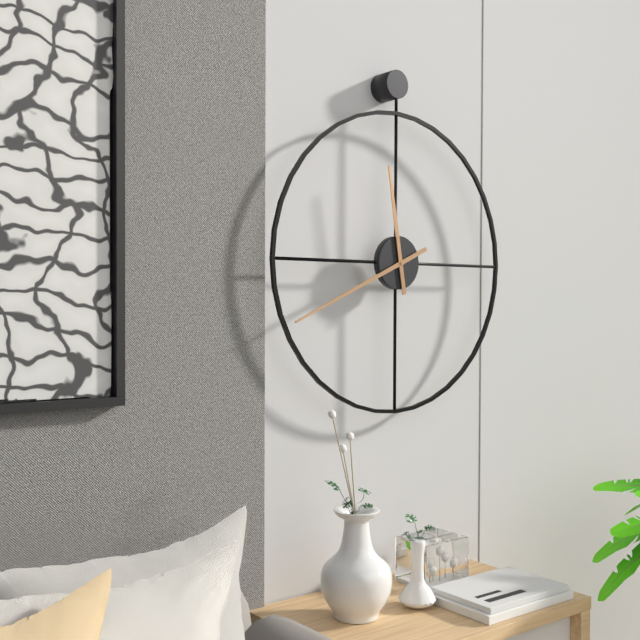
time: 11:41
